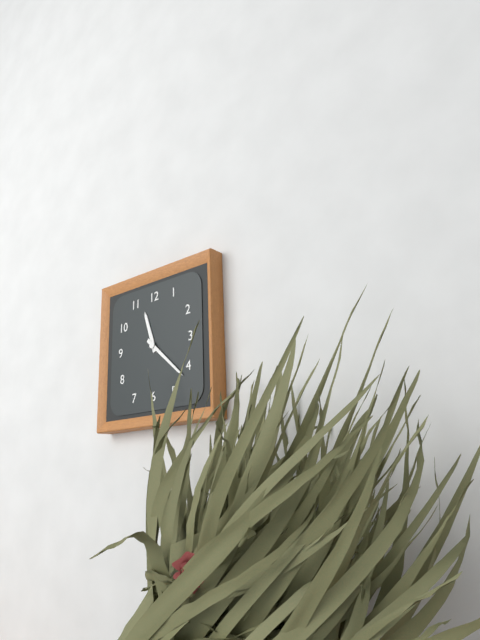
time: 11:22
